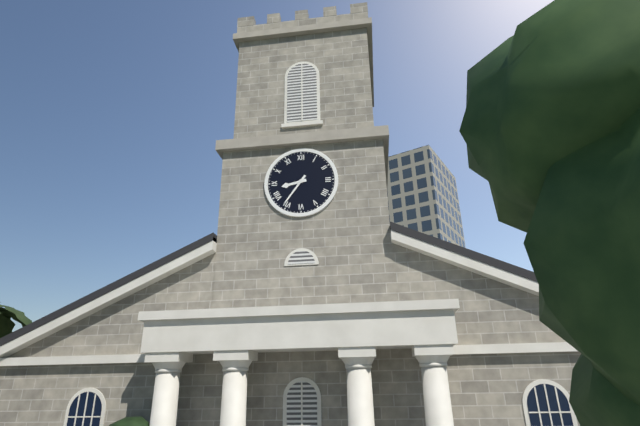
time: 8:36
